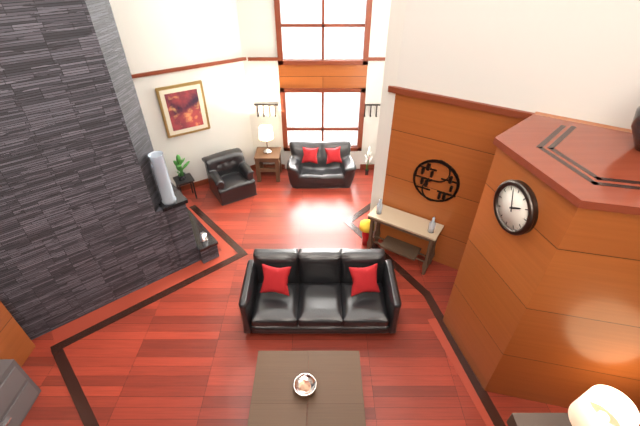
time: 1:57
